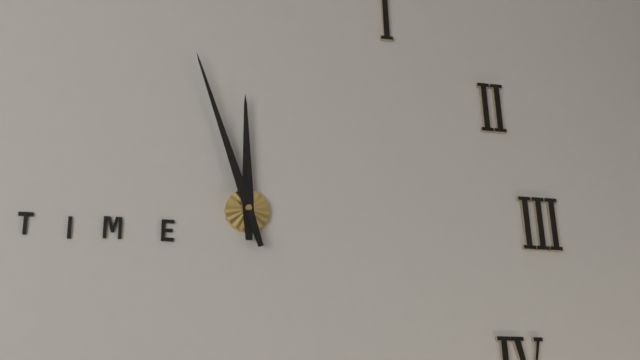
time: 11:57
